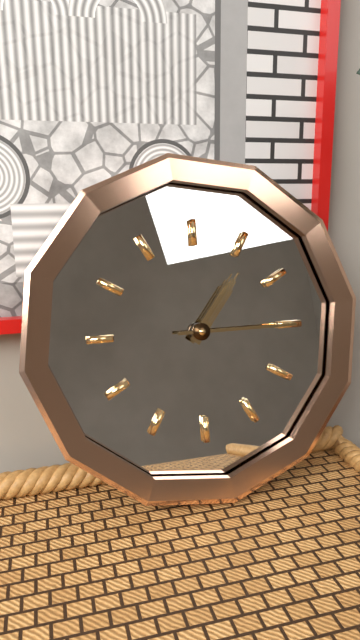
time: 1:15
